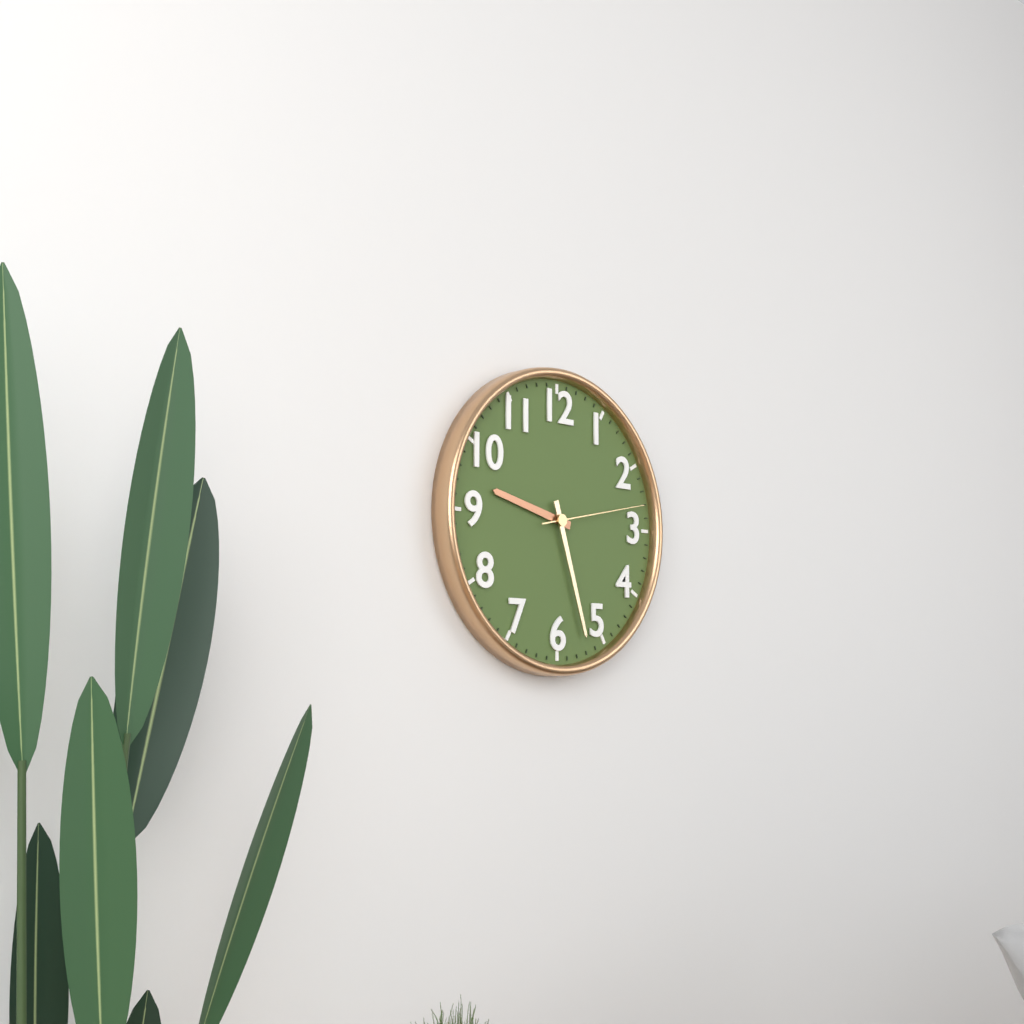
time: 9:27:13
